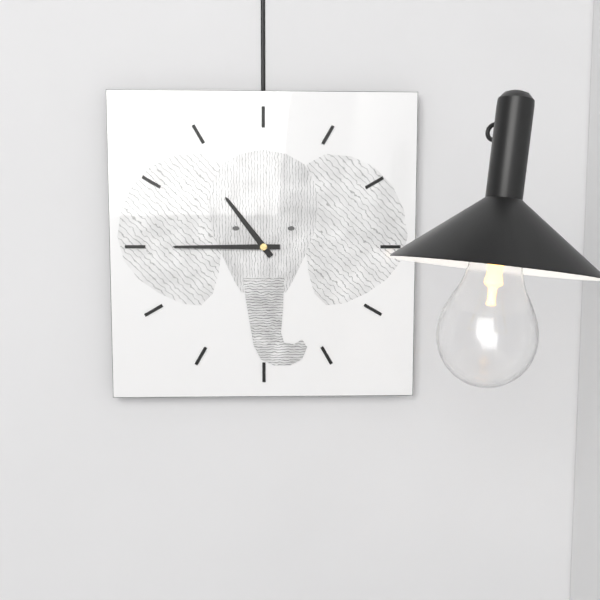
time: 10:45
